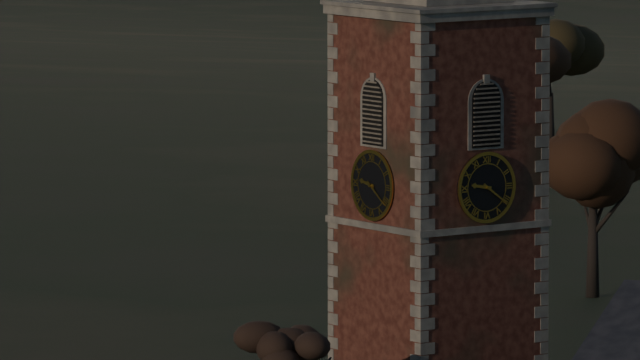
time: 9:21
